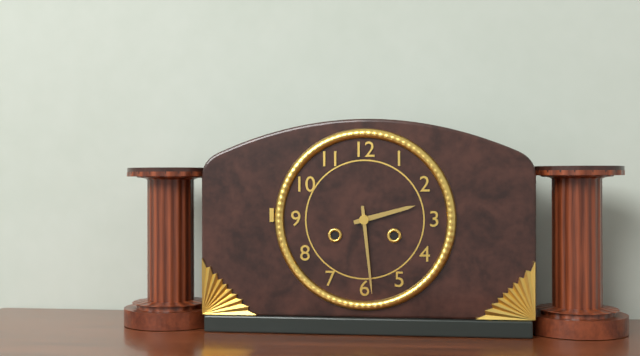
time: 2:29
